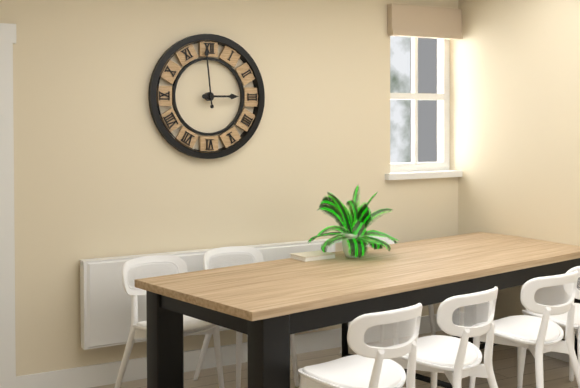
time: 2:59
